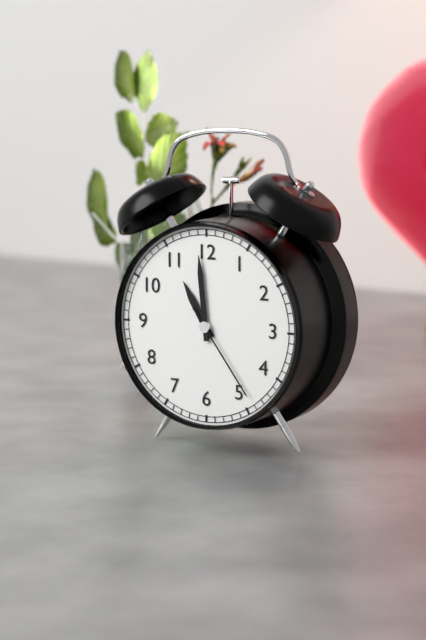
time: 10:59:24
